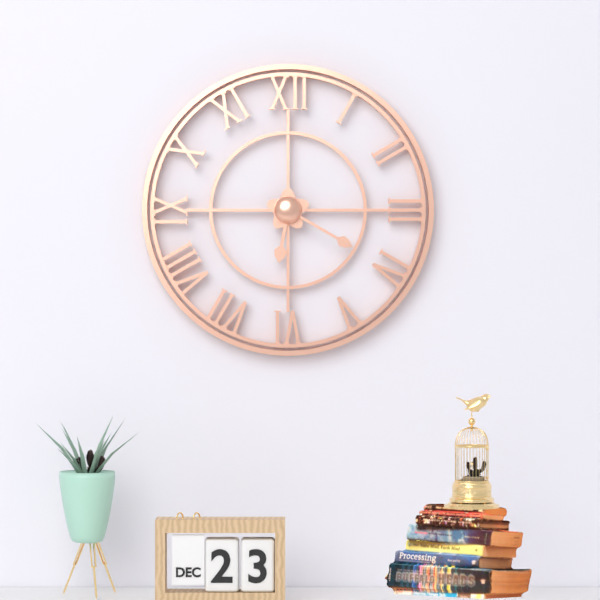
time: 6:20
